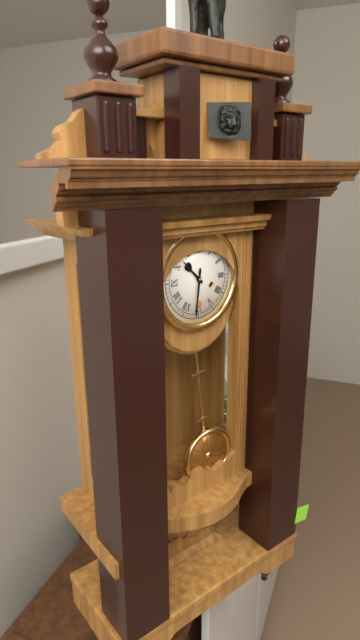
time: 10:31
